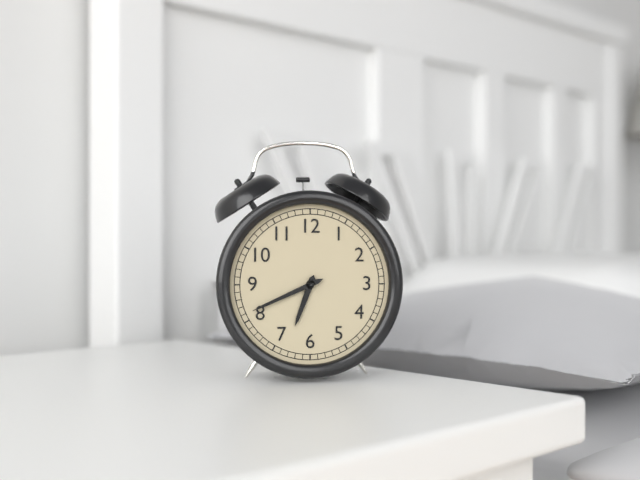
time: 6:41
